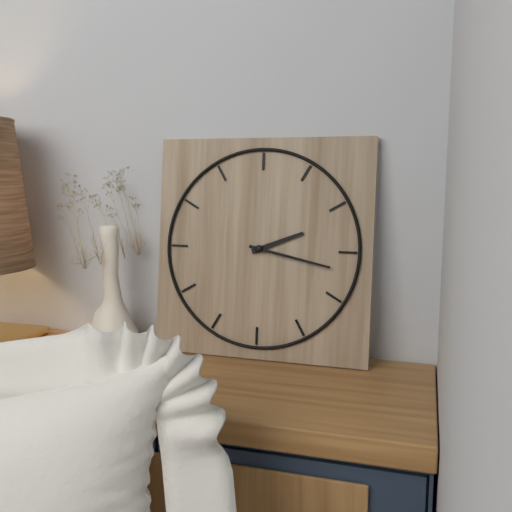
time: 2:17
